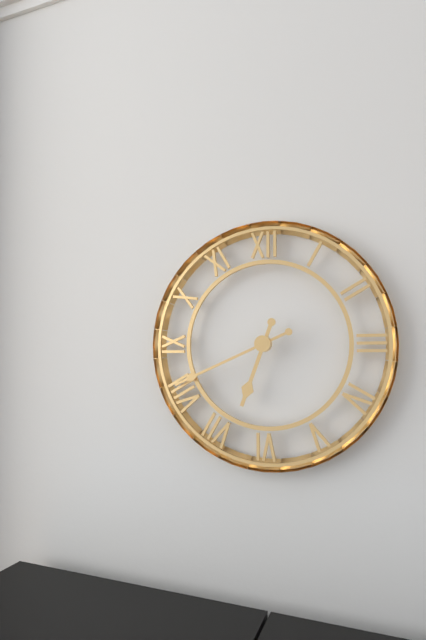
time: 6:41
